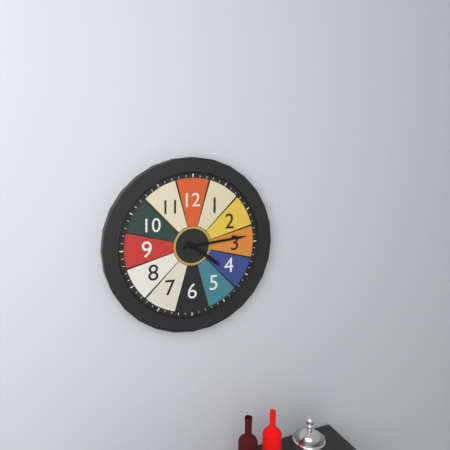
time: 4:14
